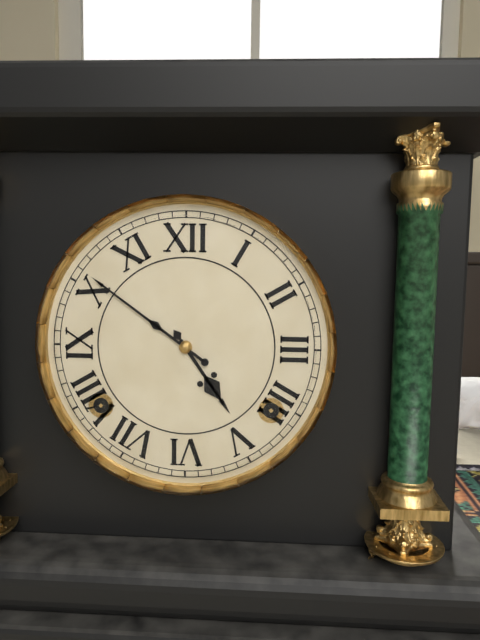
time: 4:51
